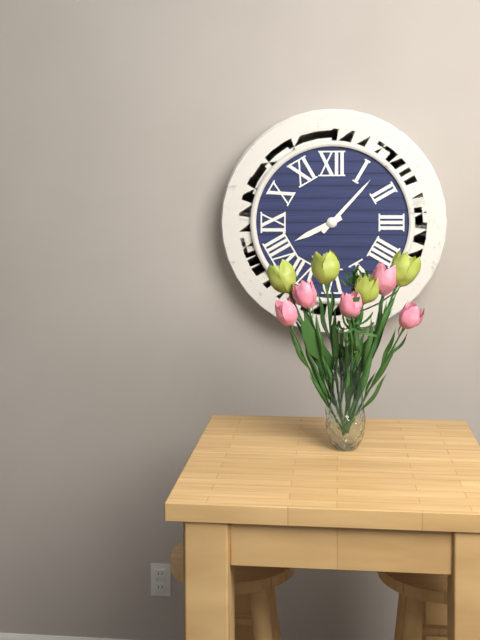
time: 8:07
